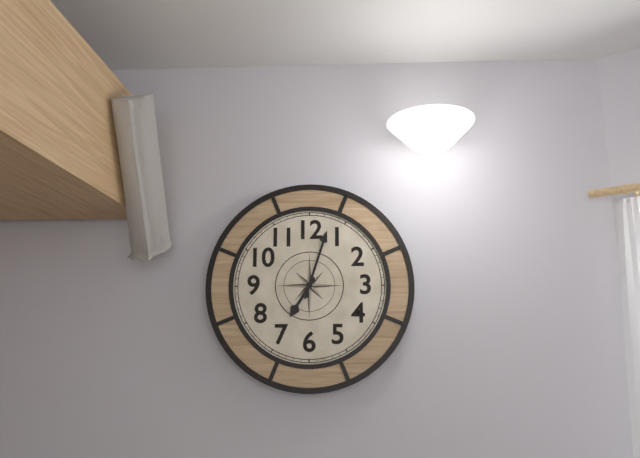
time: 7:03
